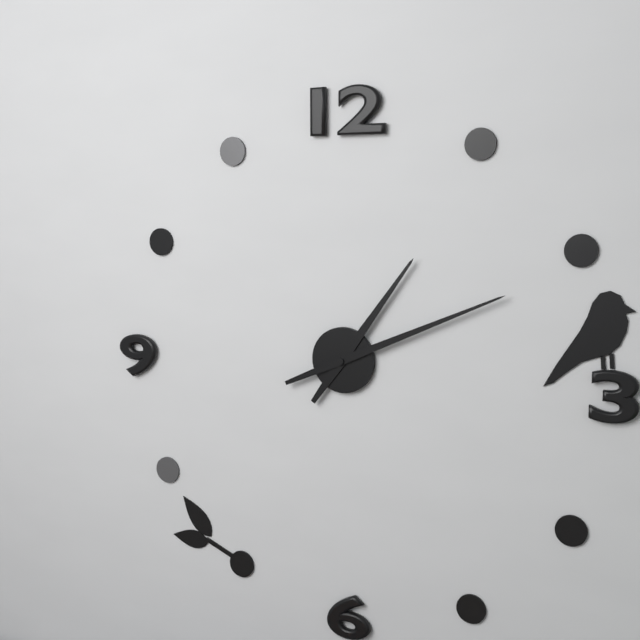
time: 1:11
